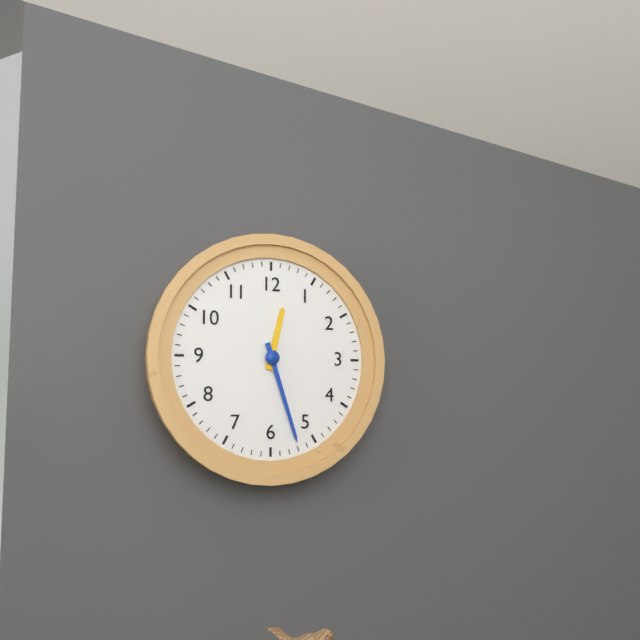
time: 12:27
